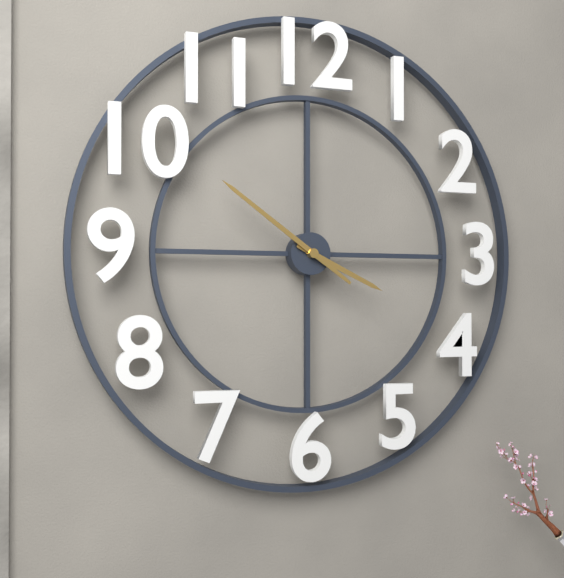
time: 3:51
